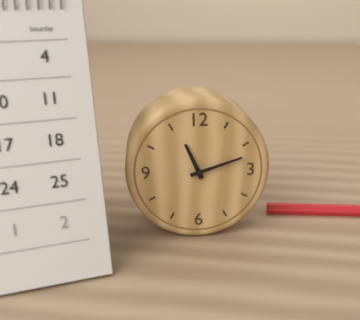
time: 11:12
